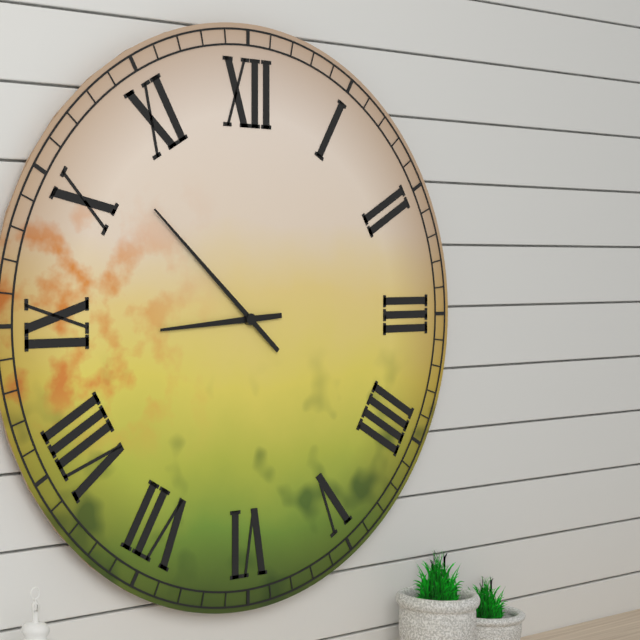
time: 8:52
